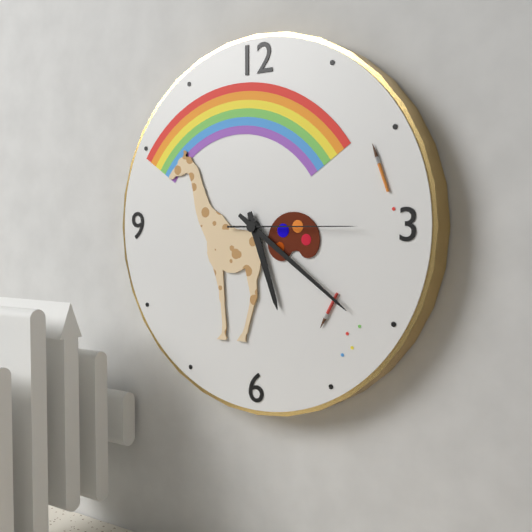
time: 5:21:15
